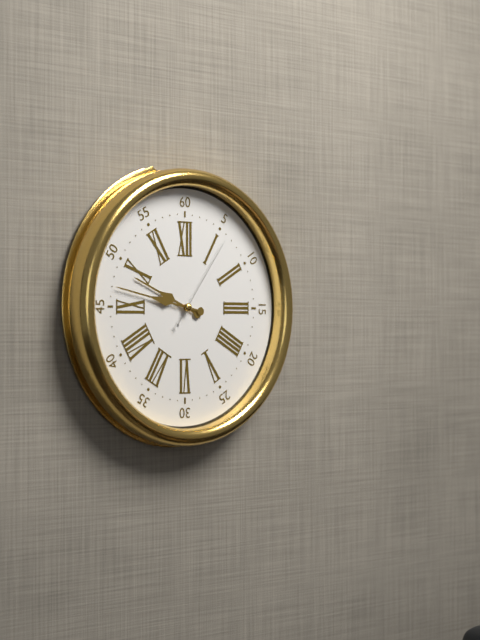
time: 9:47:06
